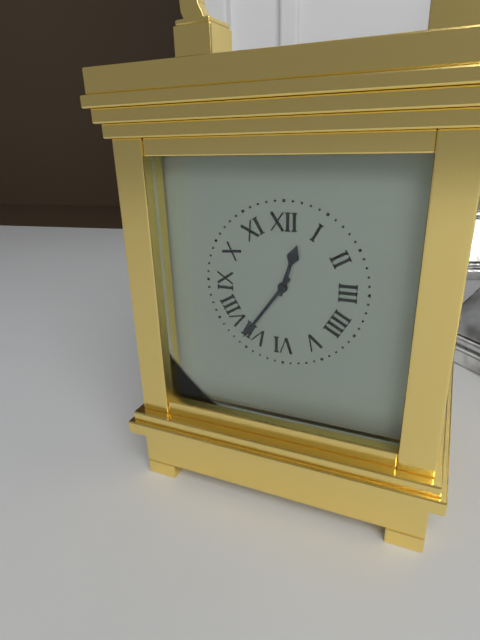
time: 12:36
